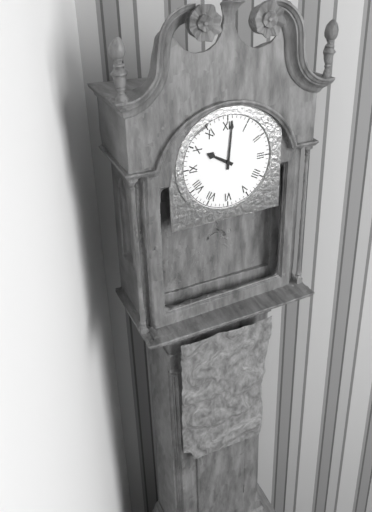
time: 10:01
